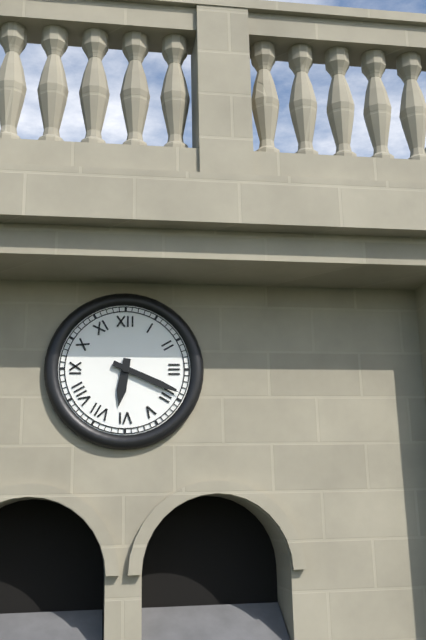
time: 6:19
